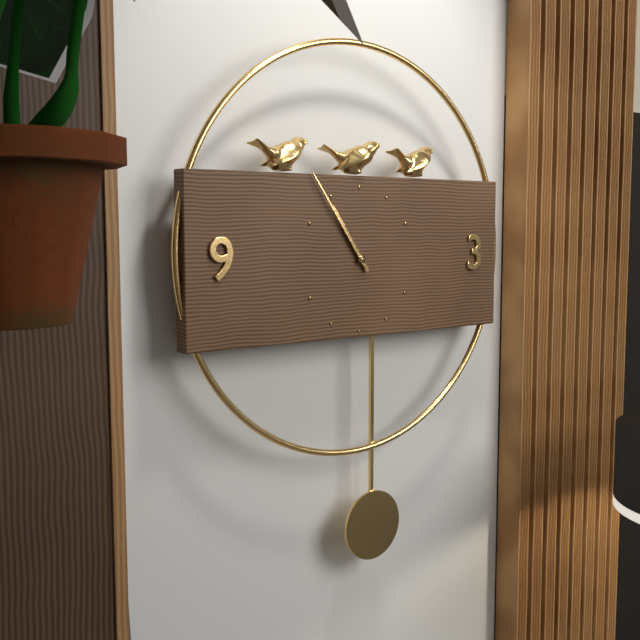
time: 10:54
